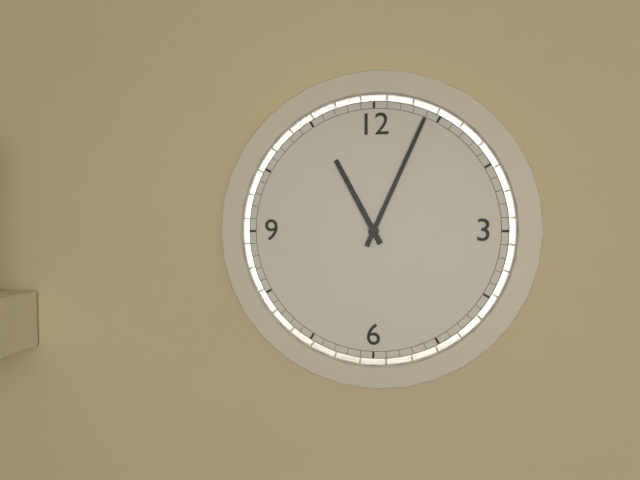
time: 11:04
